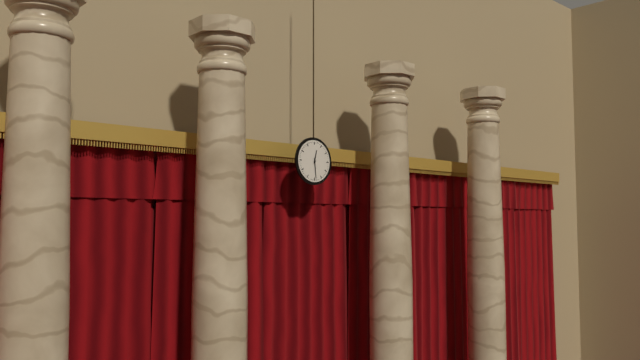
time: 12:29
